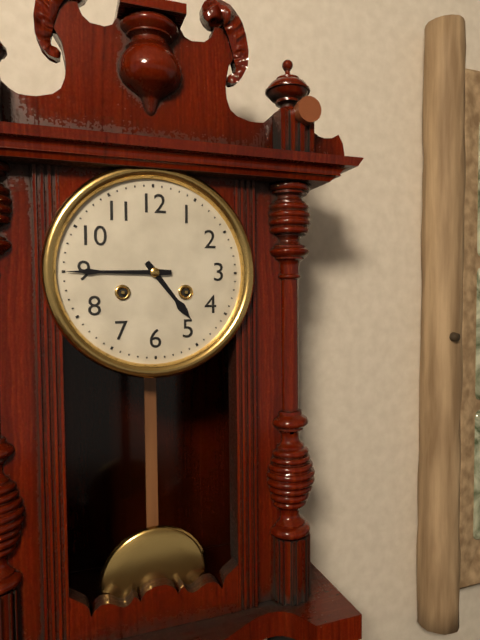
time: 4:45
